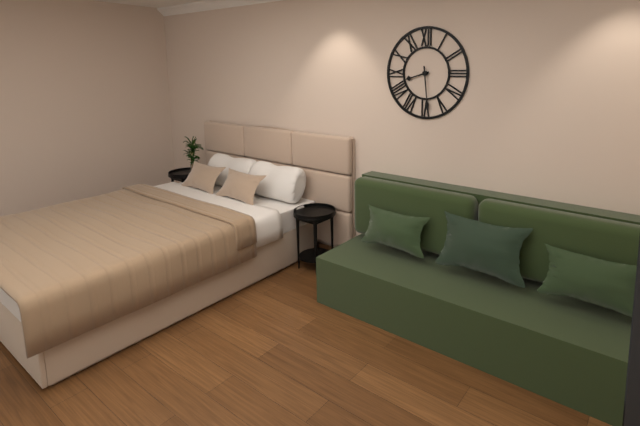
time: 8:29
